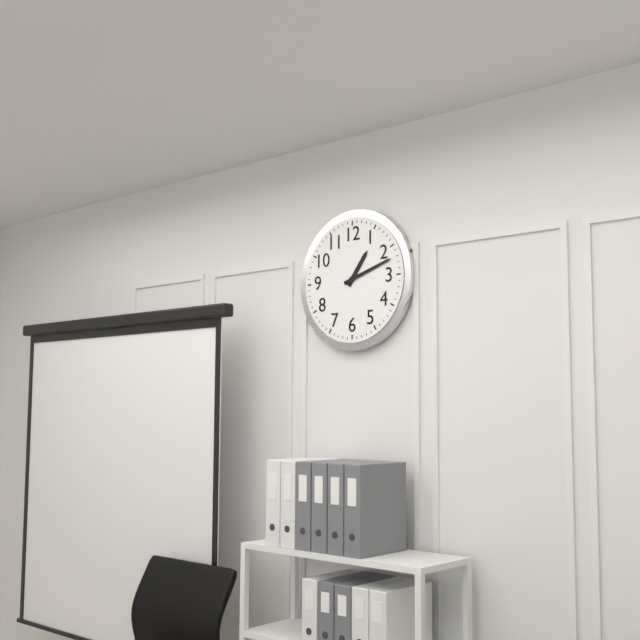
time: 1:12
